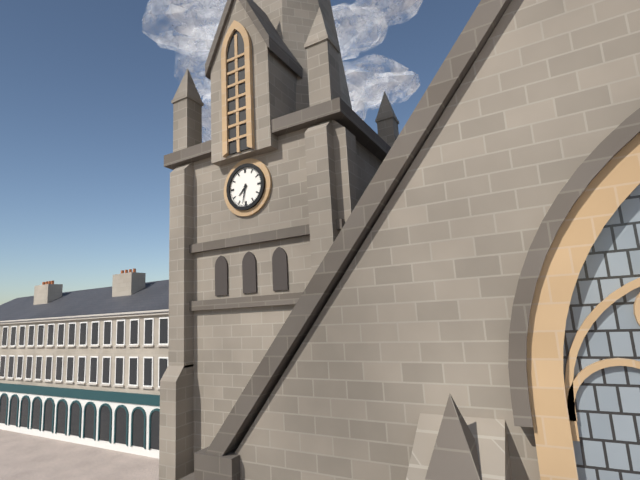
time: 7:32
